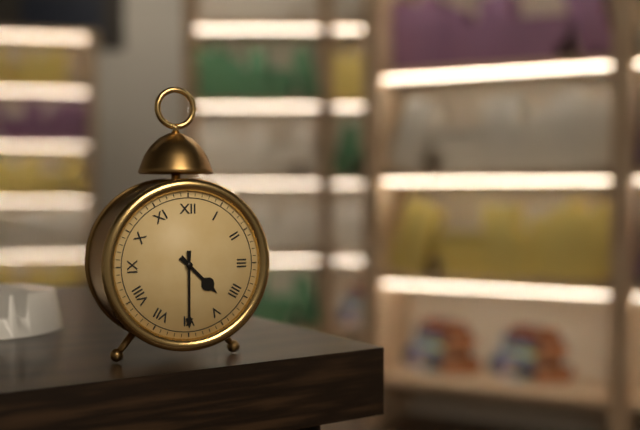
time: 4:30
